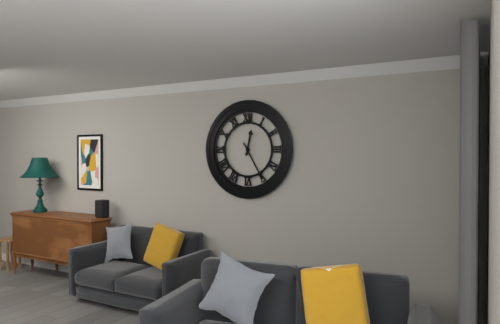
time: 12:25
